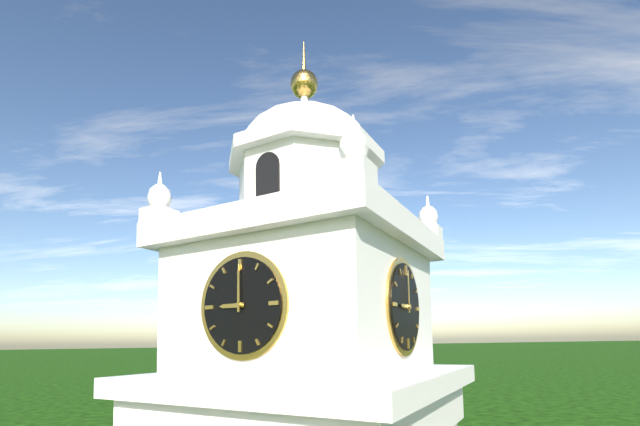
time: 9:00
